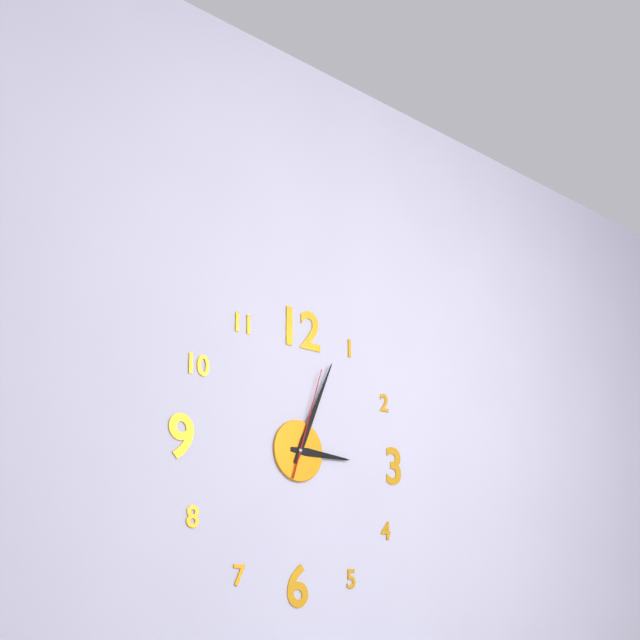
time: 3:04:03
